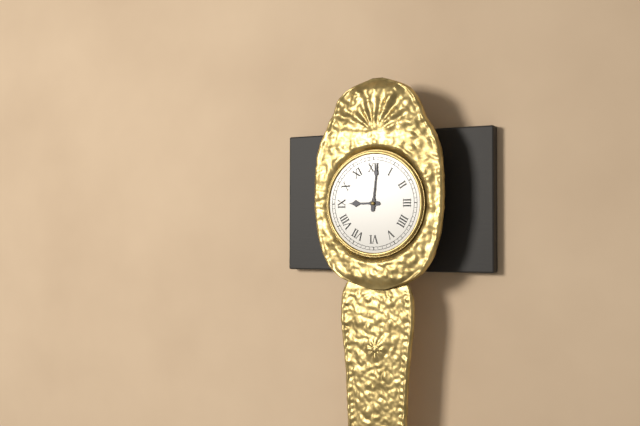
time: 9:01
